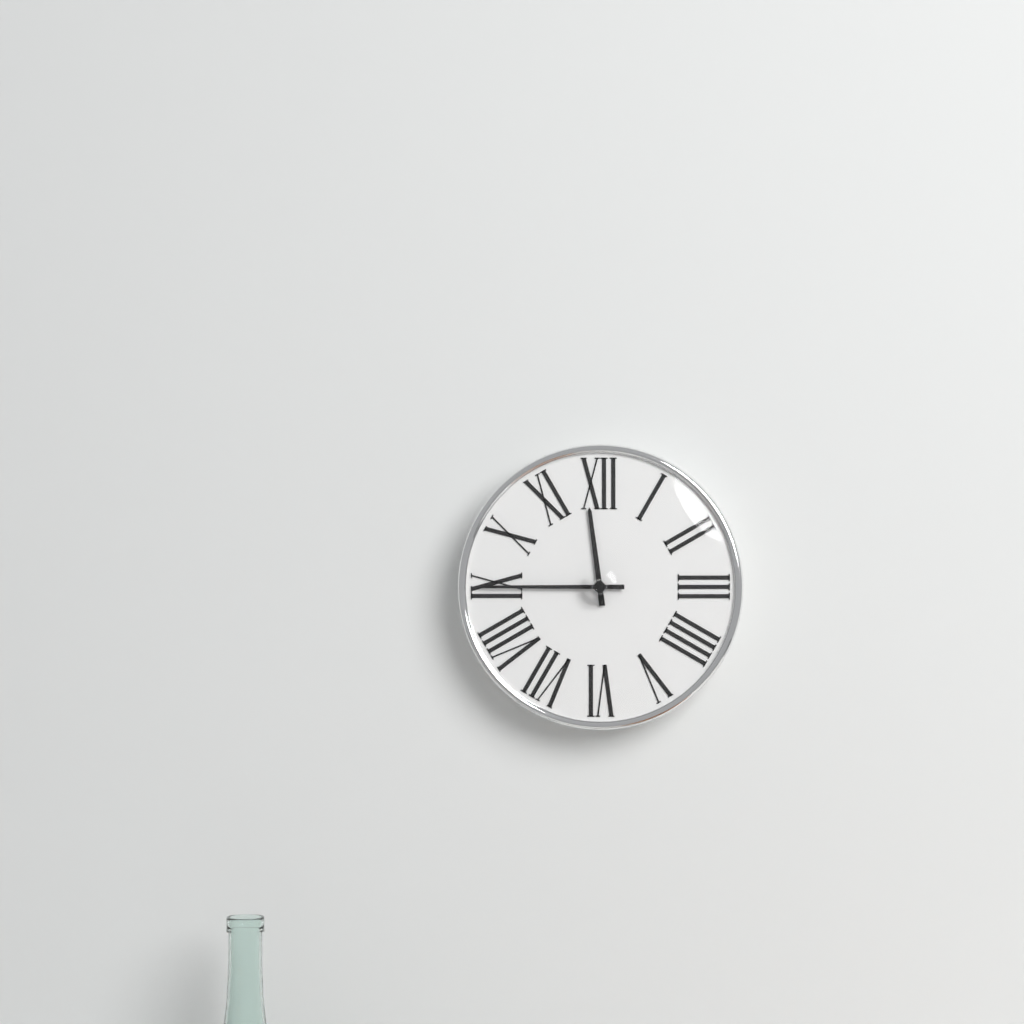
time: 11:45
